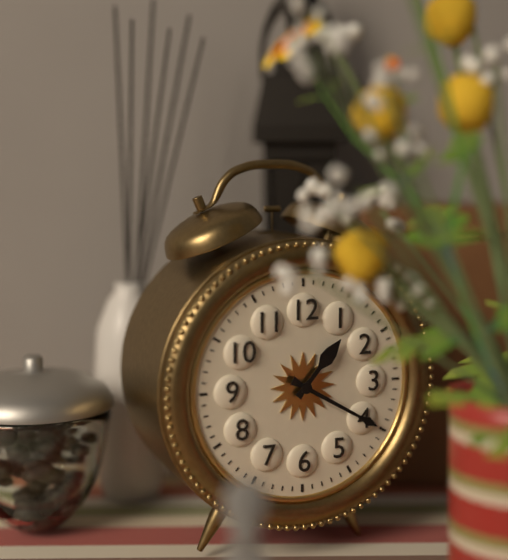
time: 1:20
